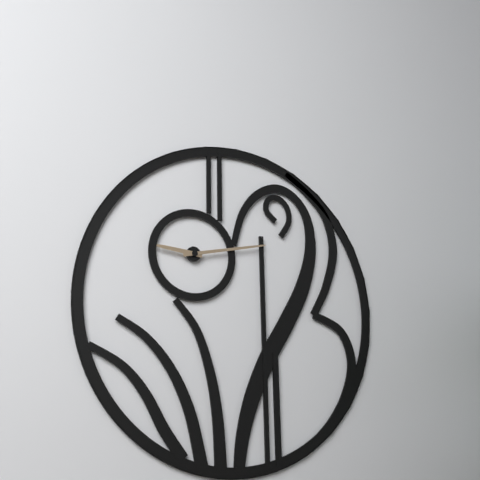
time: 9:13
